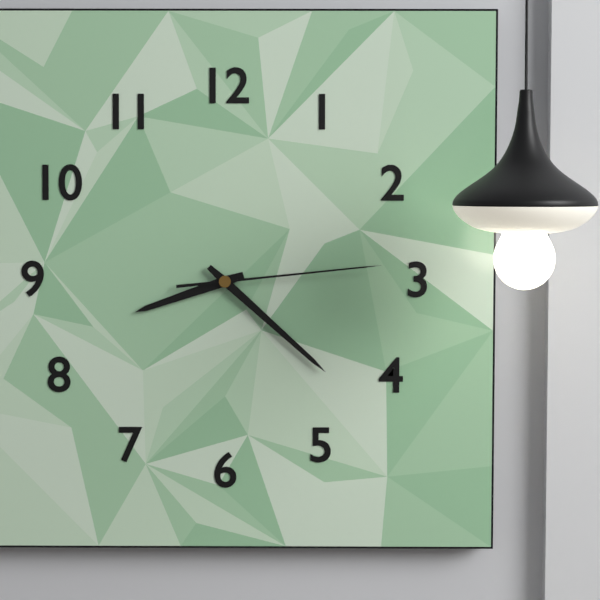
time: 8:22:14
